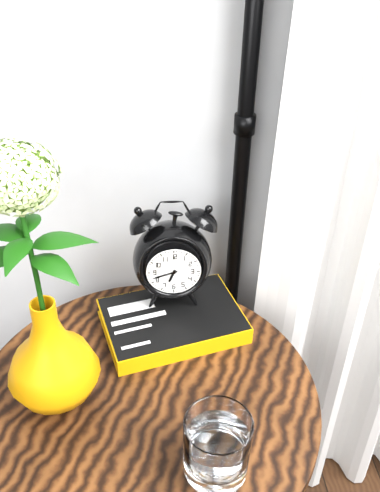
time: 6:42
